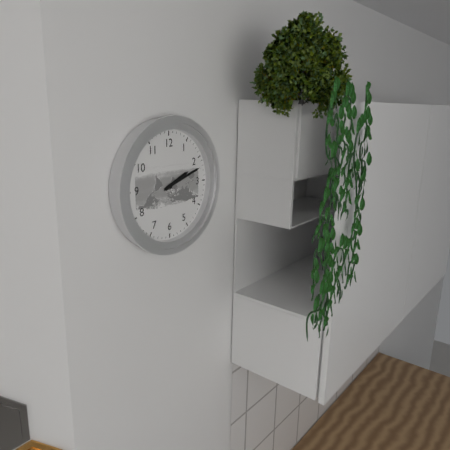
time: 2:12
